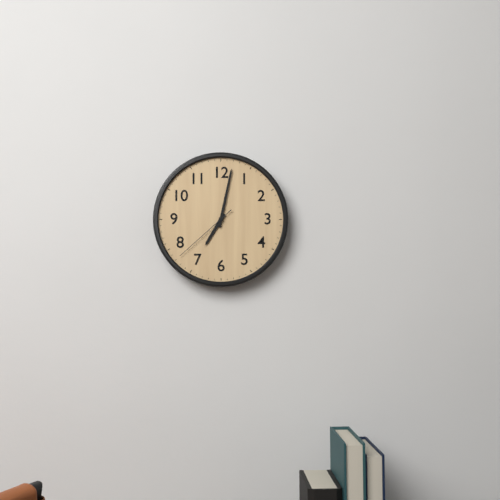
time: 7:02:38
